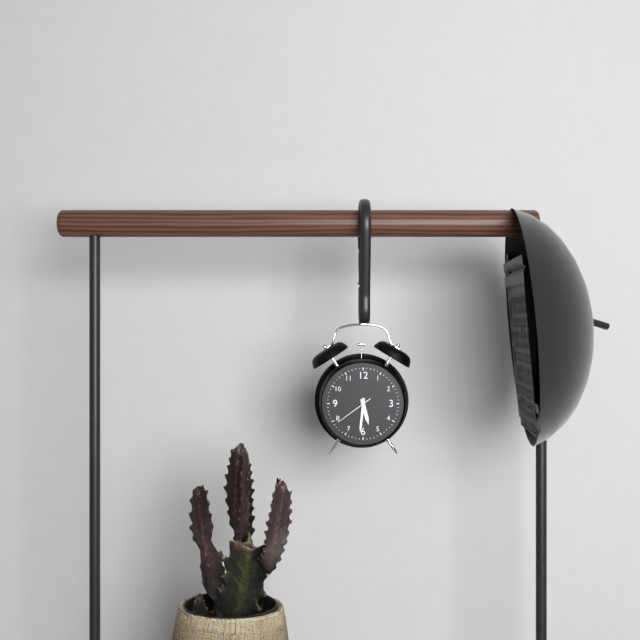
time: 5:31
